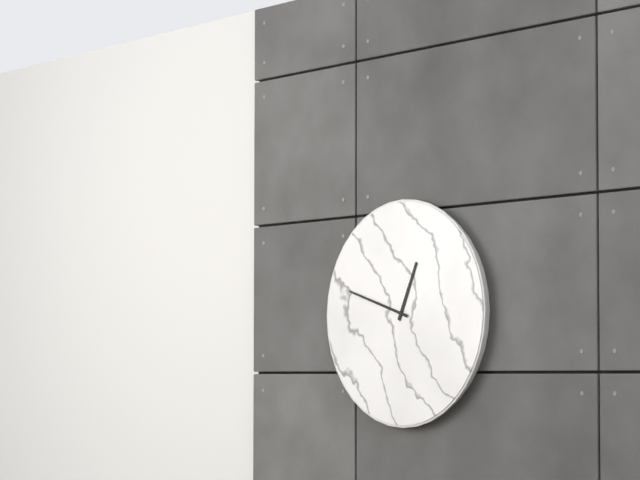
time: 12:48
